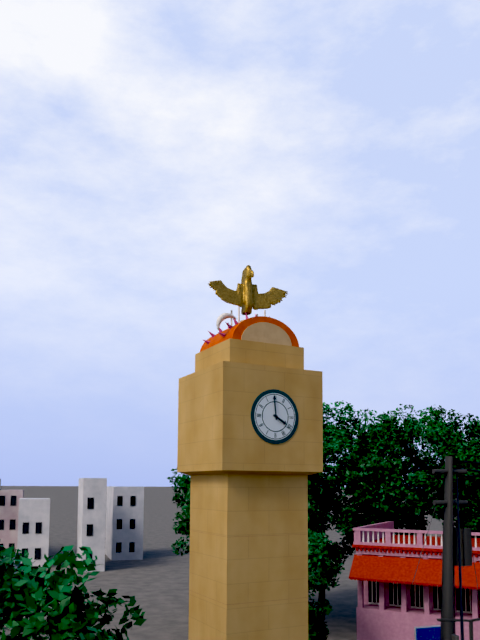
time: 3:59
